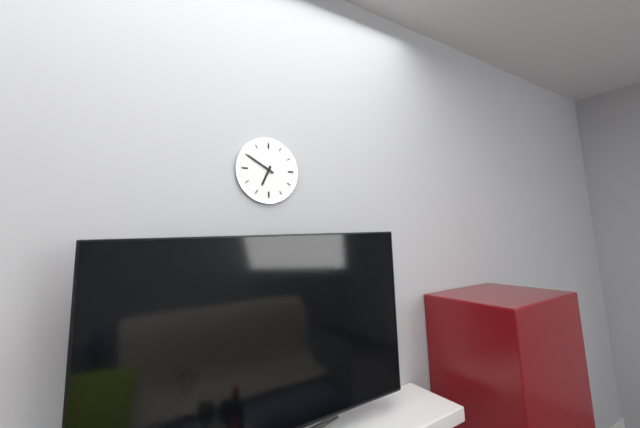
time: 6:50
